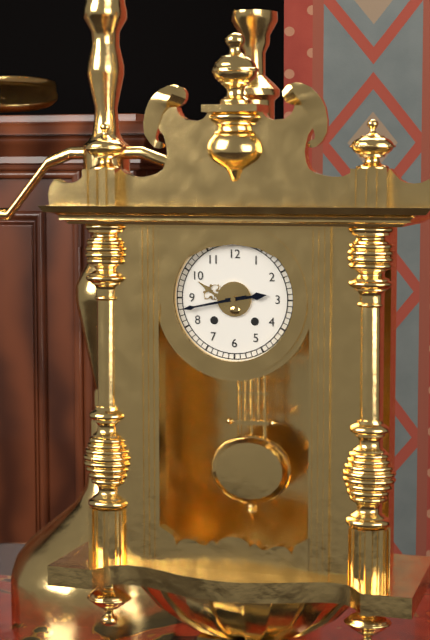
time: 2:43
